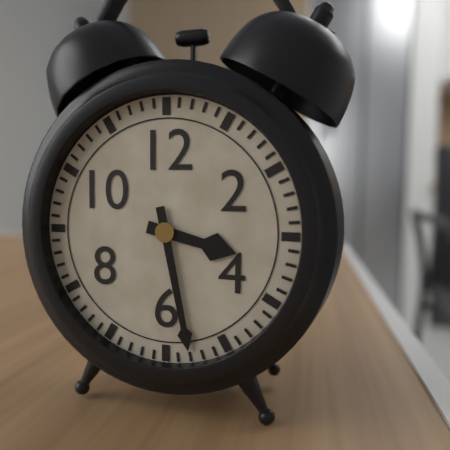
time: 3:28
